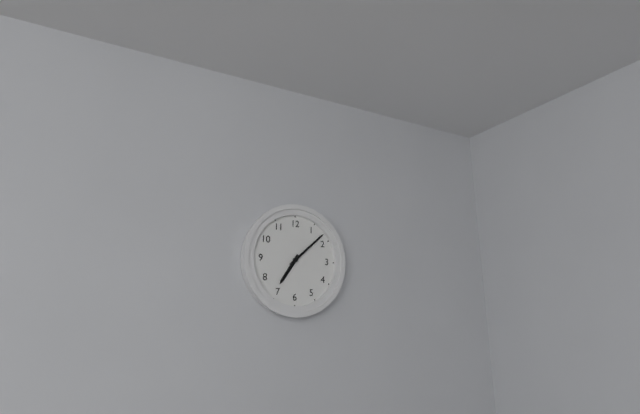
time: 7:08
